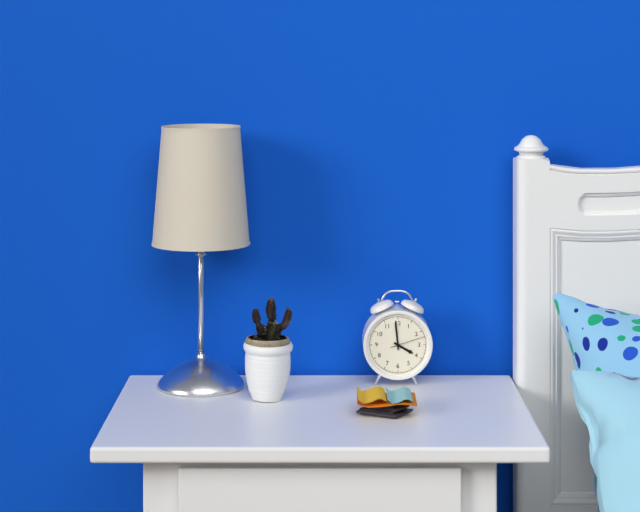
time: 3:59
